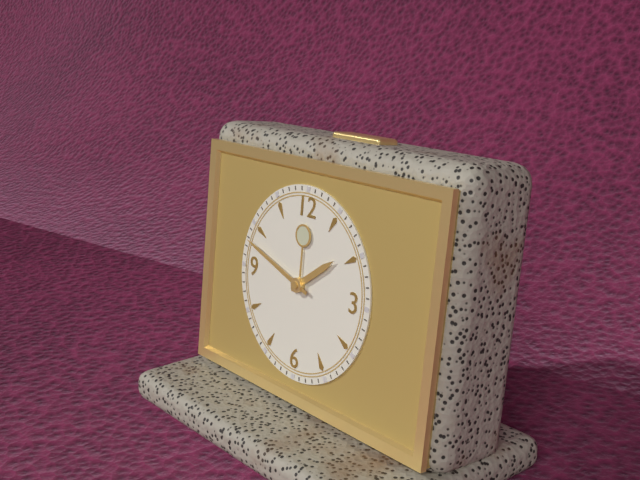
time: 1:48
